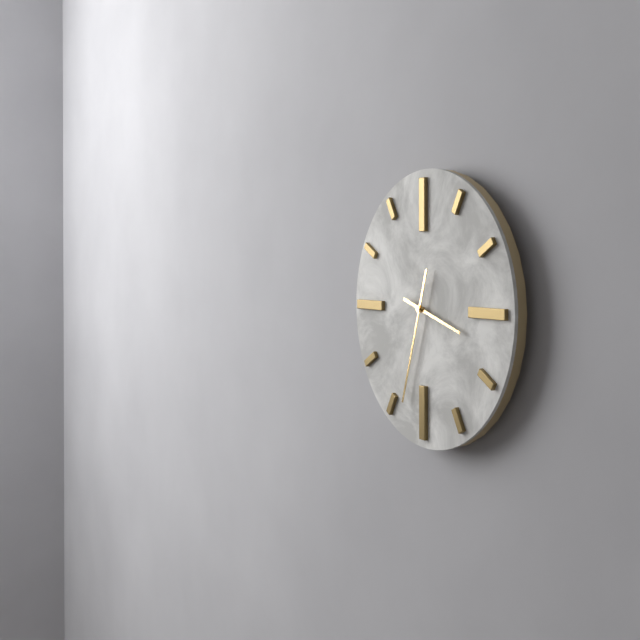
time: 3:33
